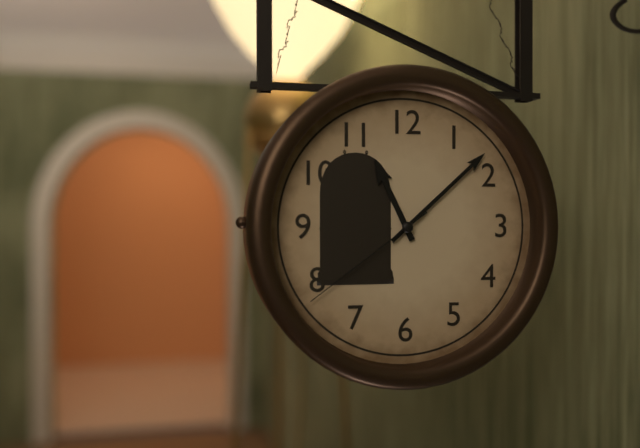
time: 11:08:39
